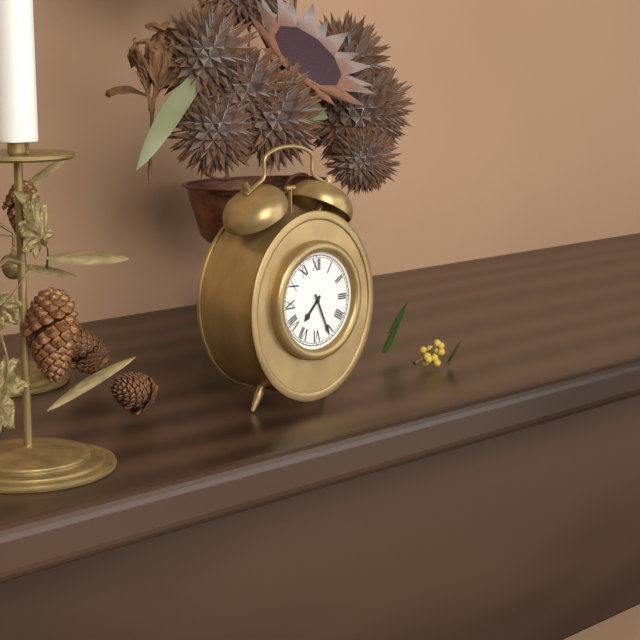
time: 7:26
